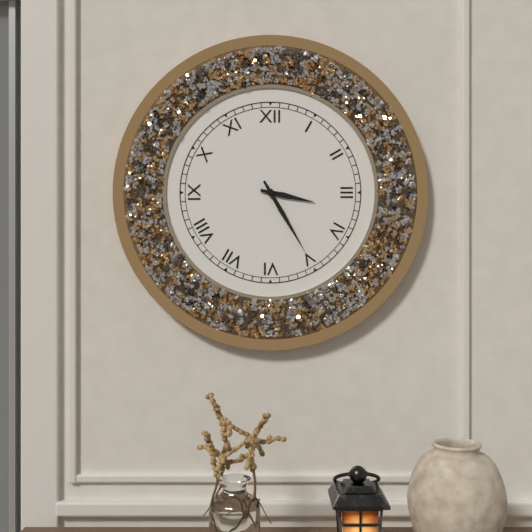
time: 3:25
